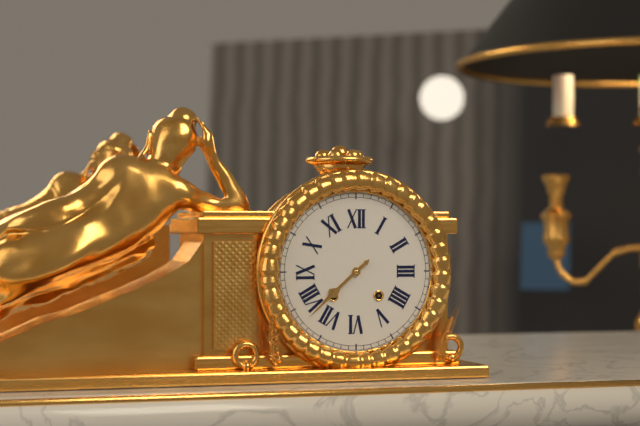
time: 7:38
